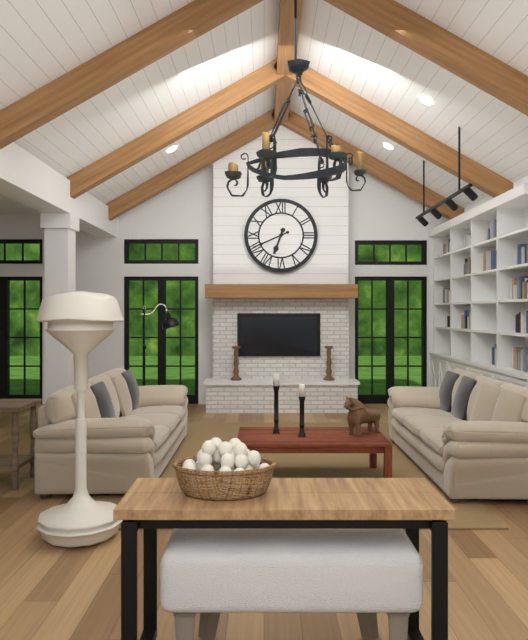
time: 6:41
